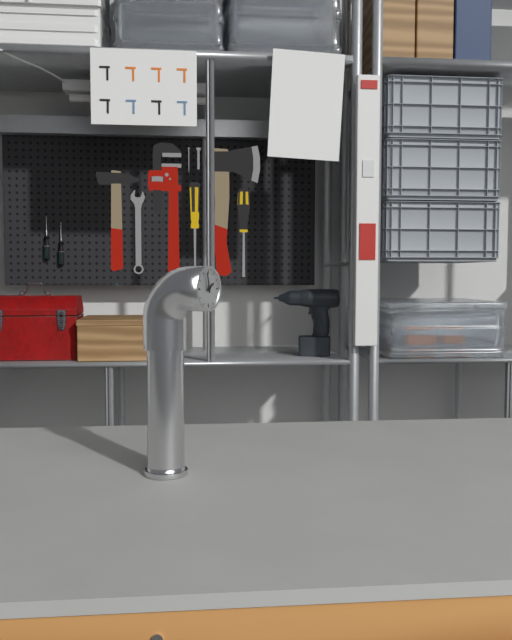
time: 1:58
